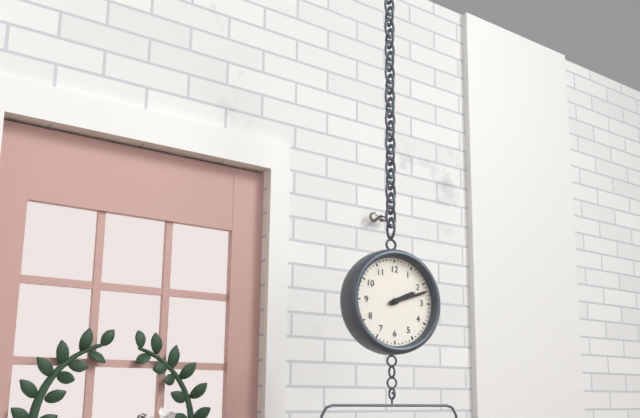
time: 2:12
